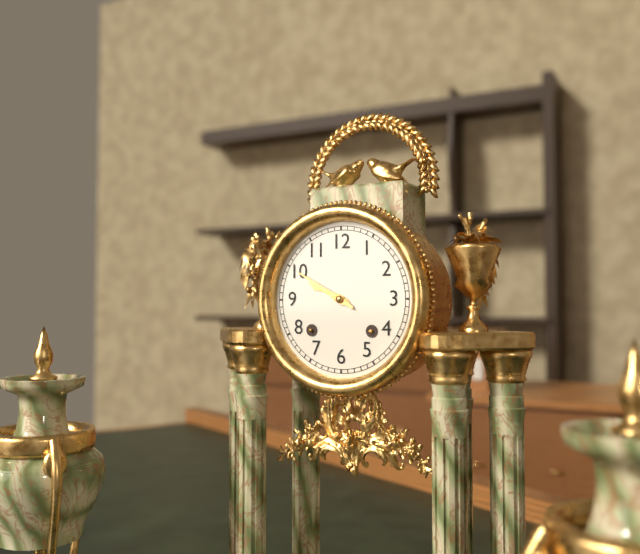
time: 9:50
